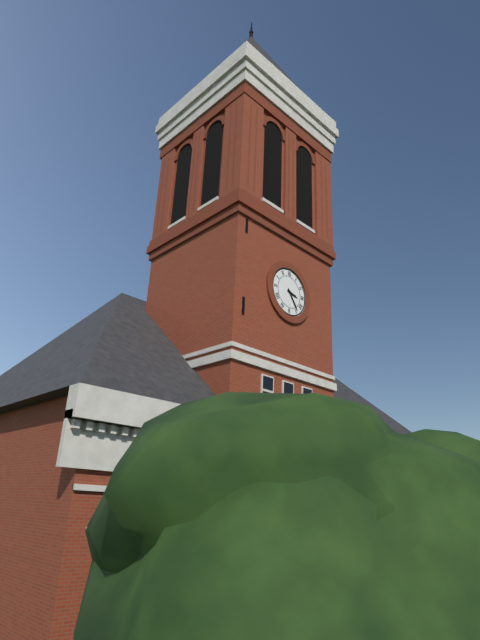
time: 3:24
